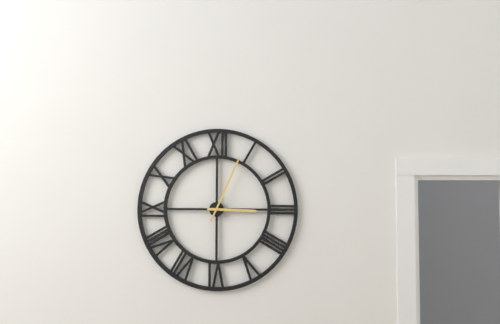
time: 3:04
